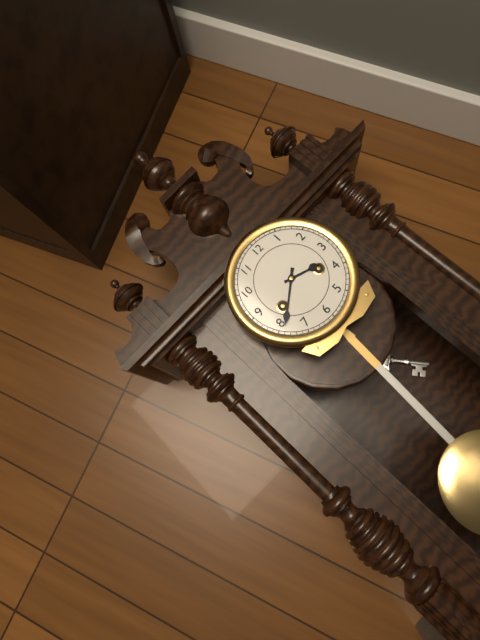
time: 3:39
